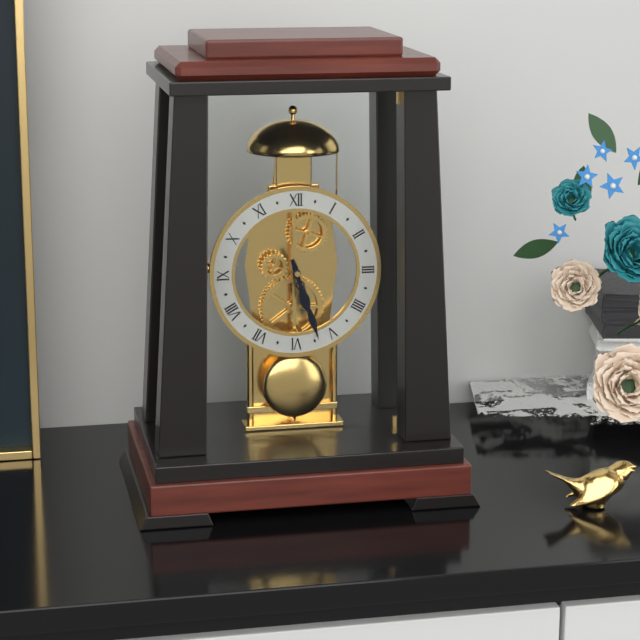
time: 5:27
